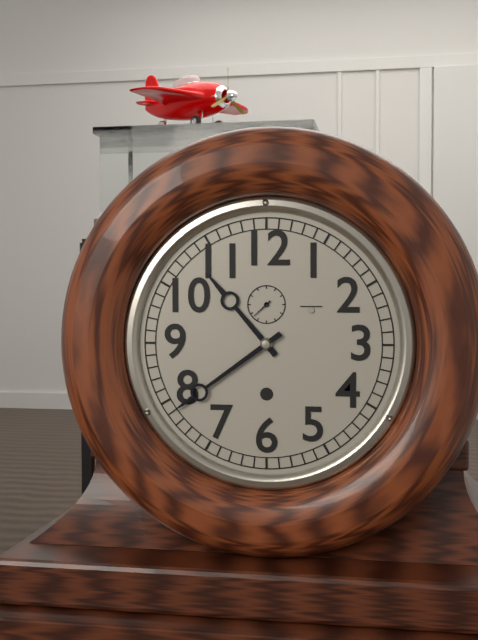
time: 10:39
